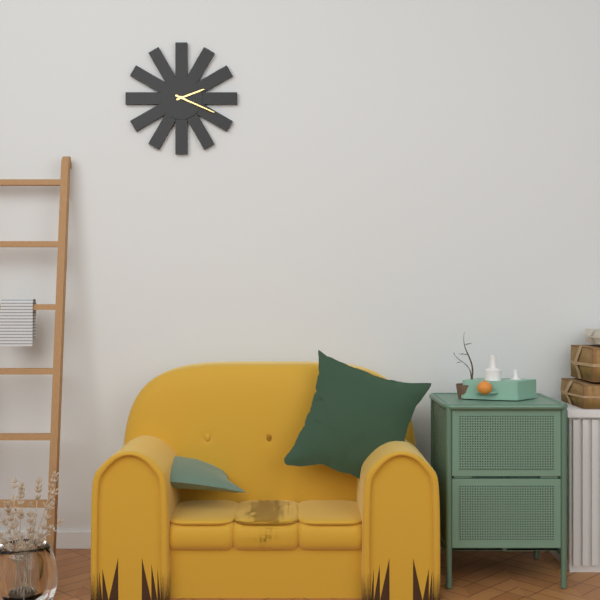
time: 2:19
